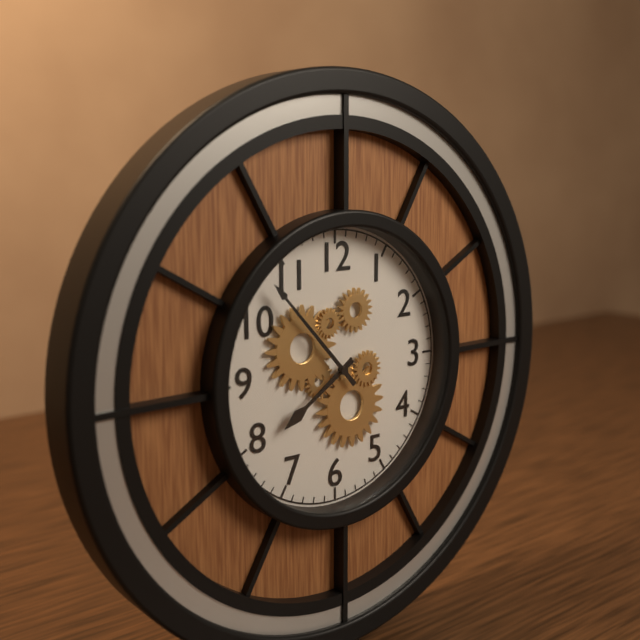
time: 7:53
